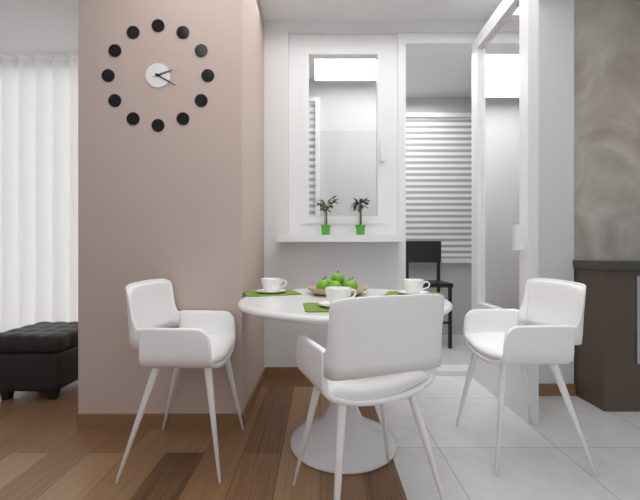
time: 2:20
